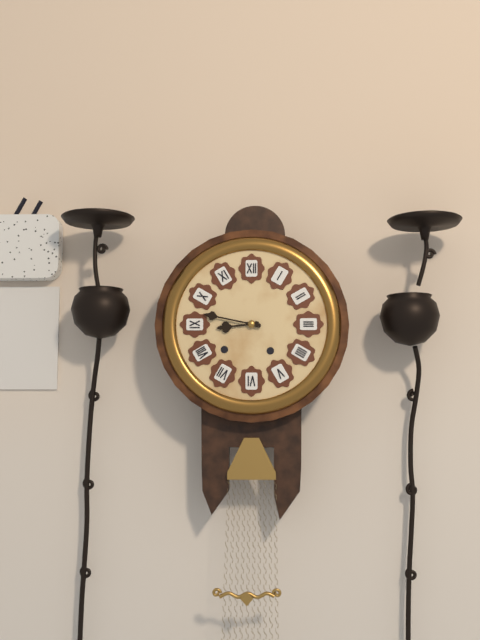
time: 8:47
